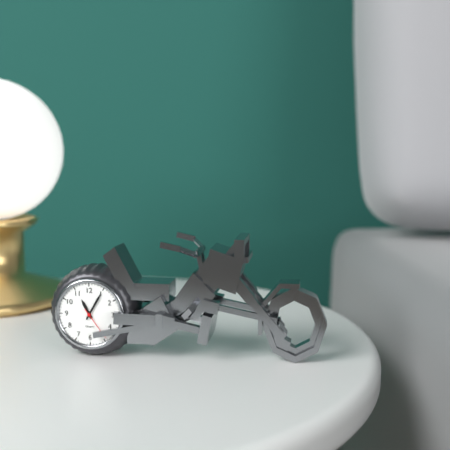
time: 11:05
